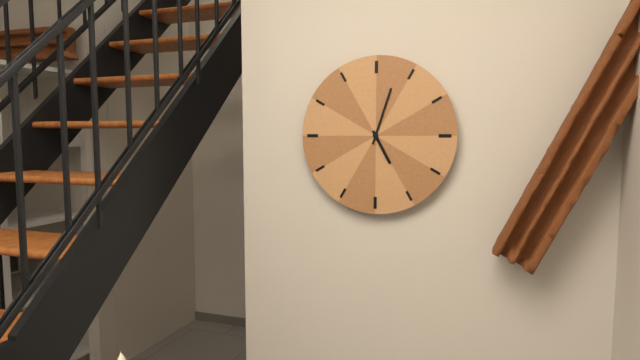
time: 5:03
